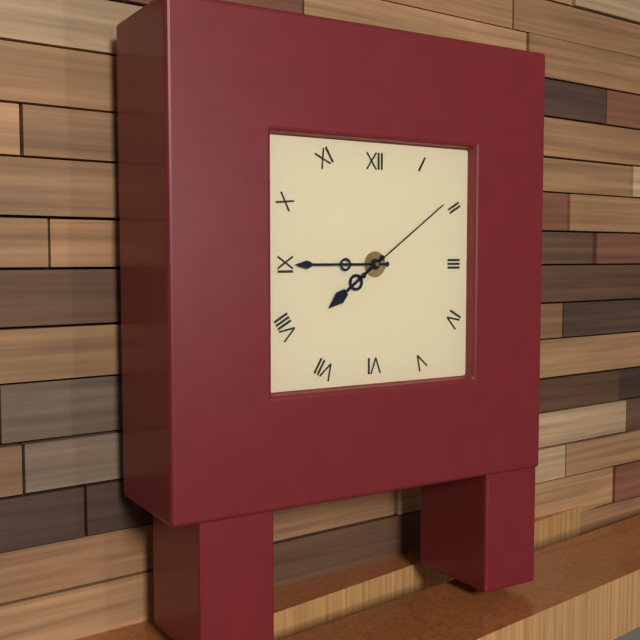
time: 7:45:09
